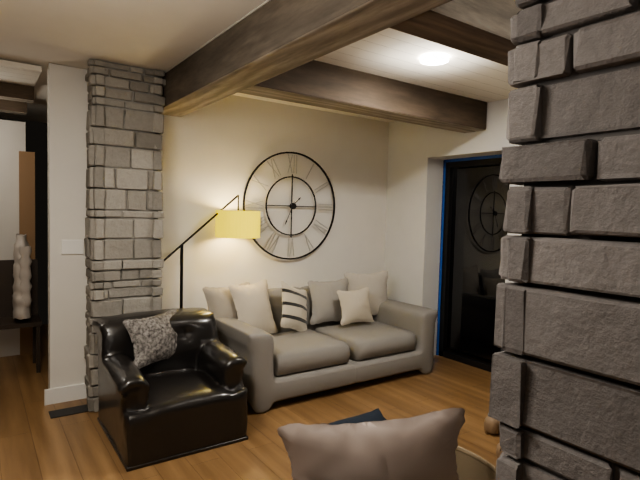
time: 1:34
